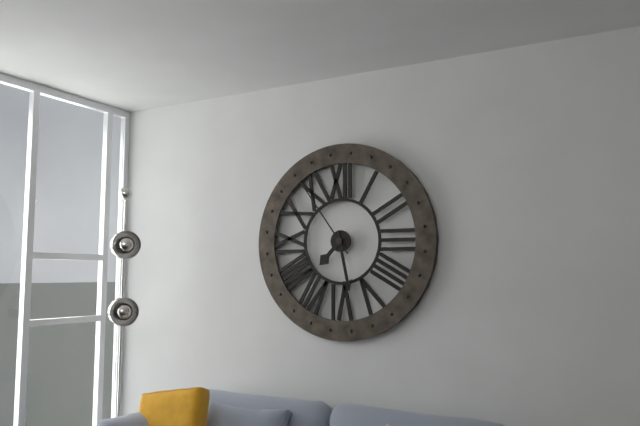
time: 7:28:54
